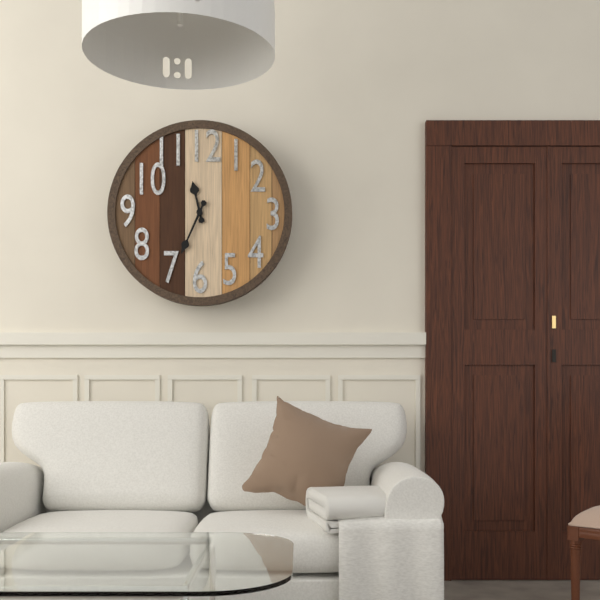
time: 11:34
